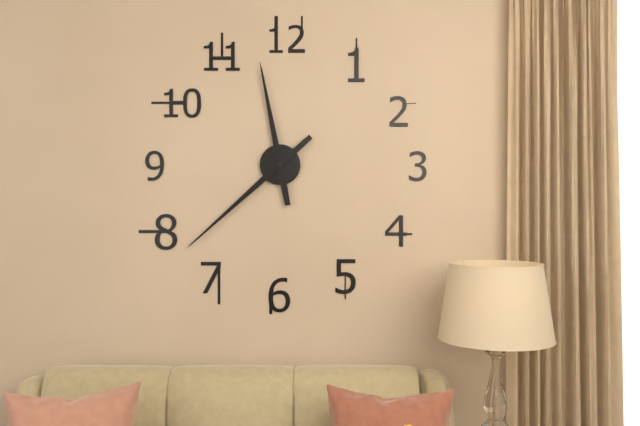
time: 11:38
